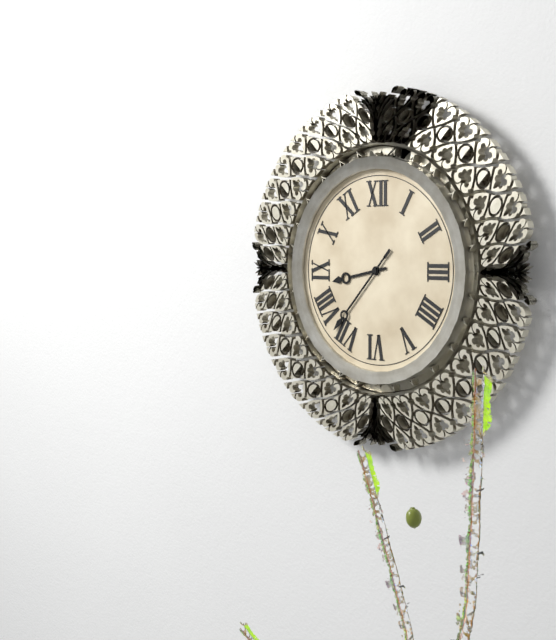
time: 8:37
